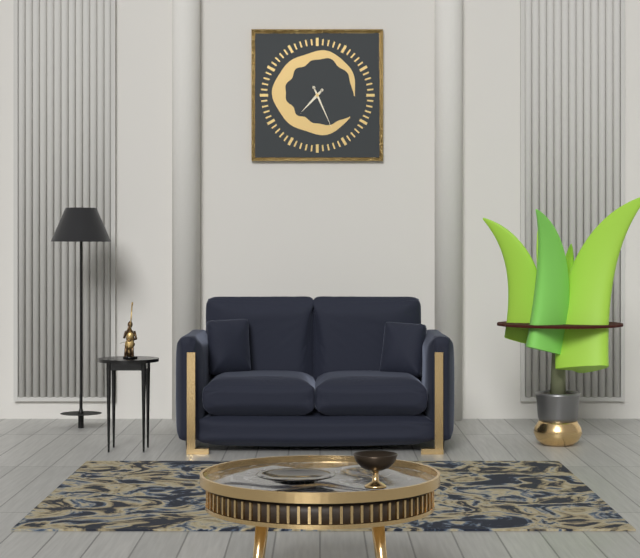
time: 7:26
